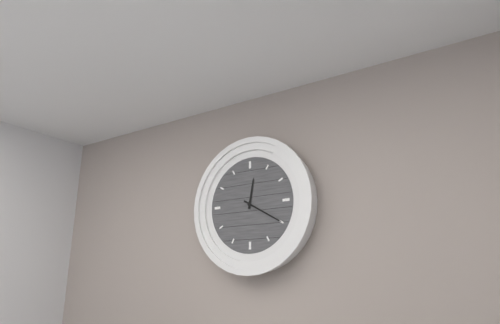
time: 12:20
